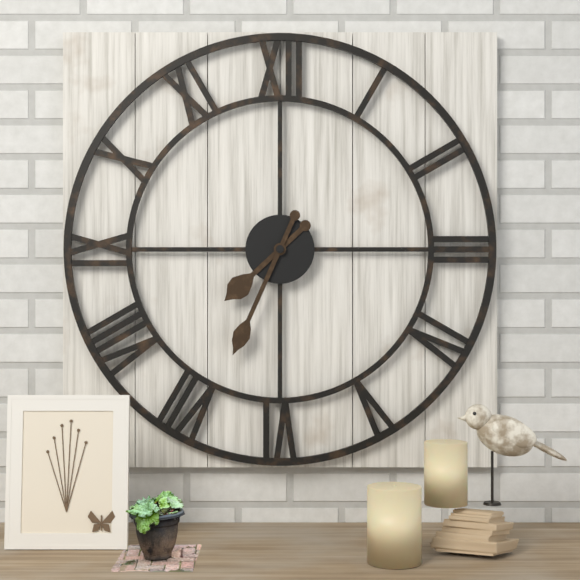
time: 7:34
